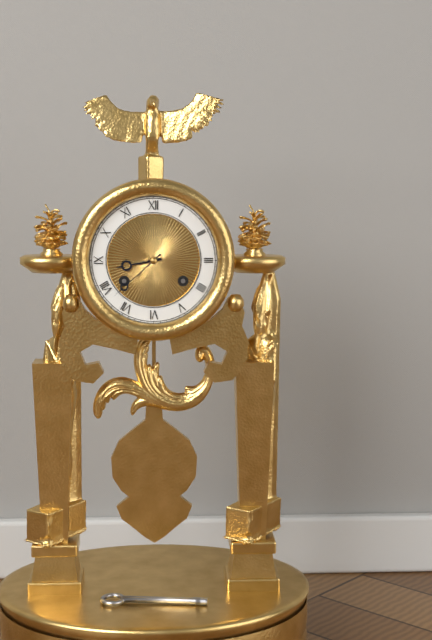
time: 8:38
